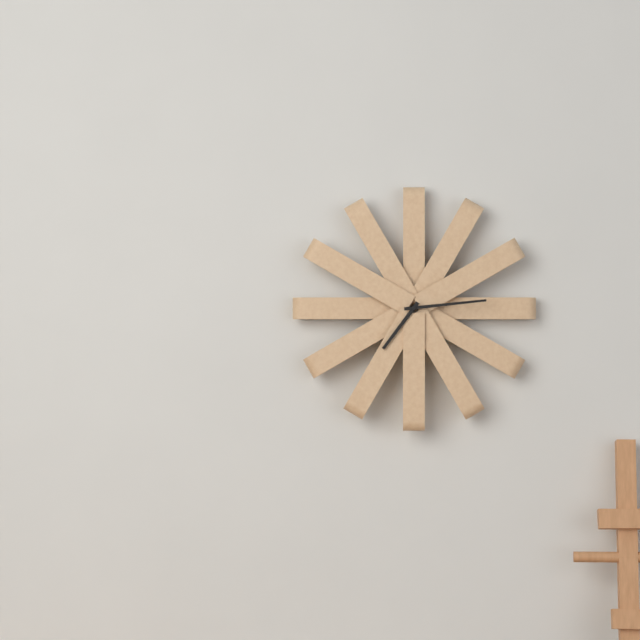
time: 7:14
